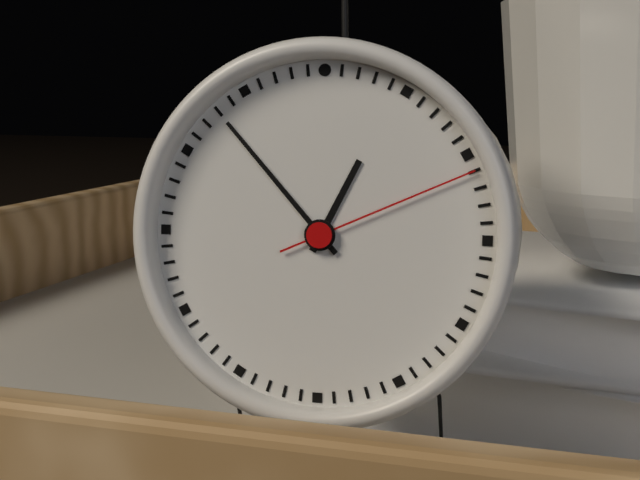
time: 12:53:11
